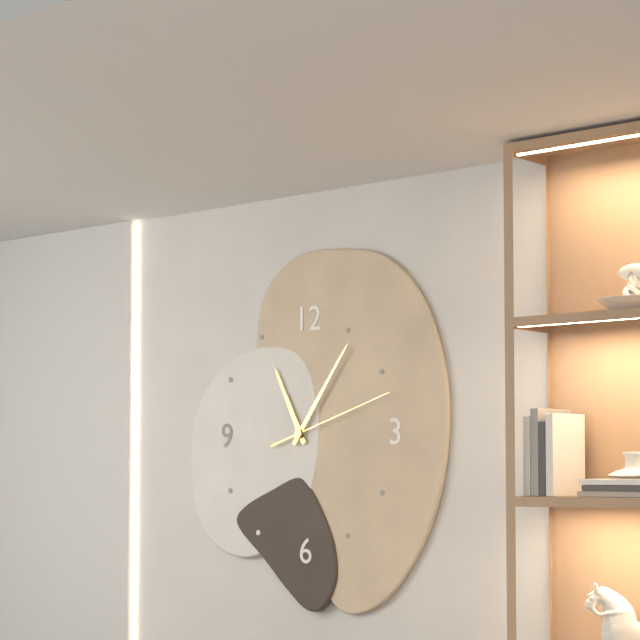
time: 11:06:12
